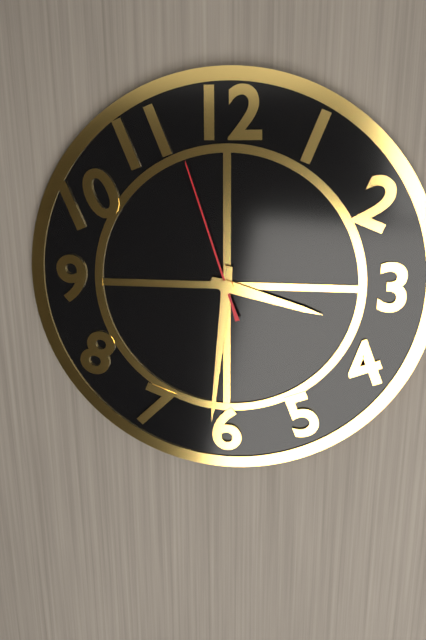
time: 3:31:57
